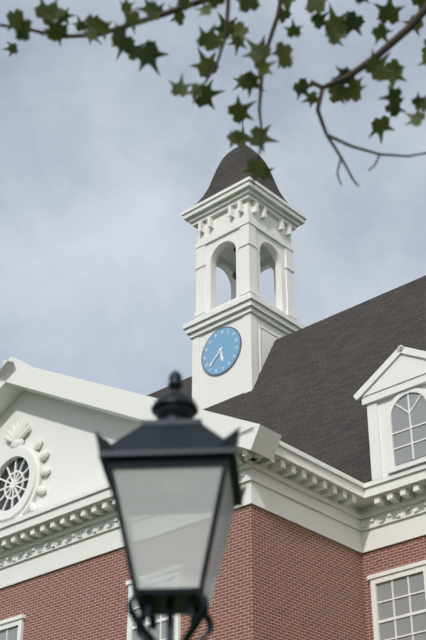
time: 5:38
